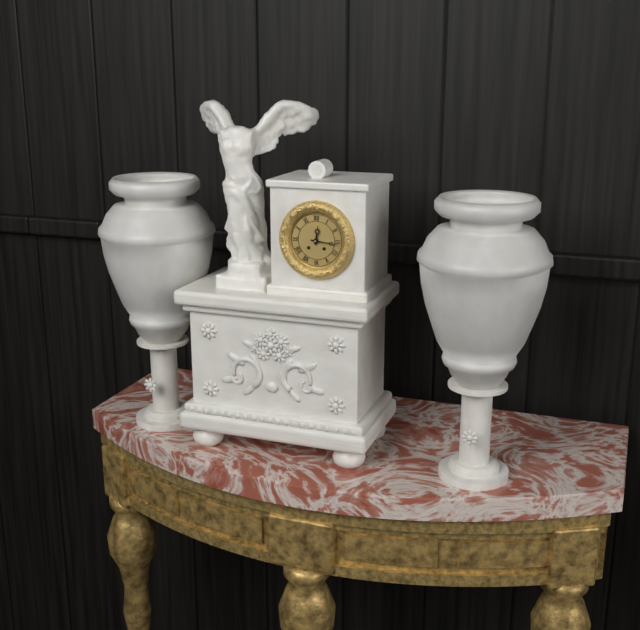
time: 12:16
